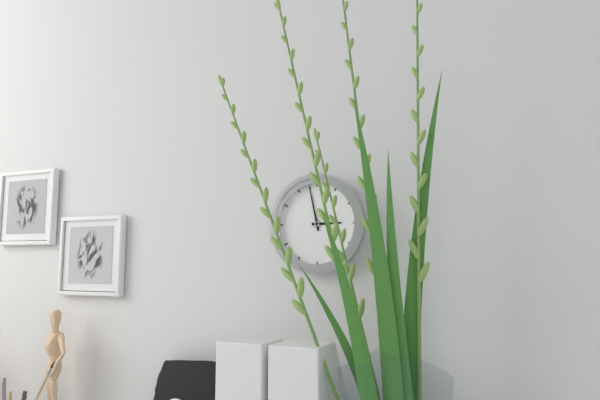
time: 2:58
